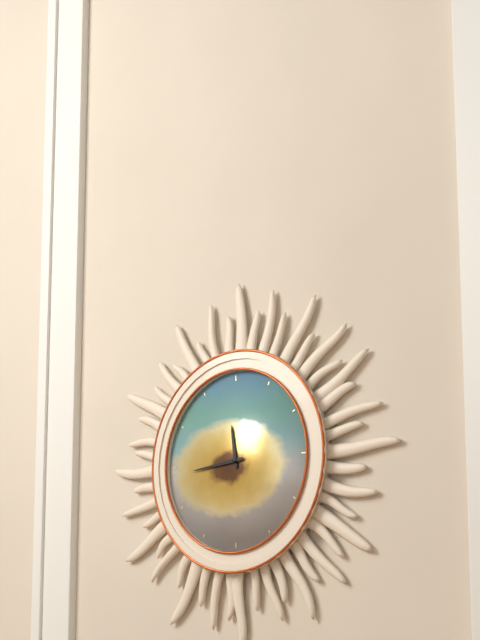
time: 11:44
